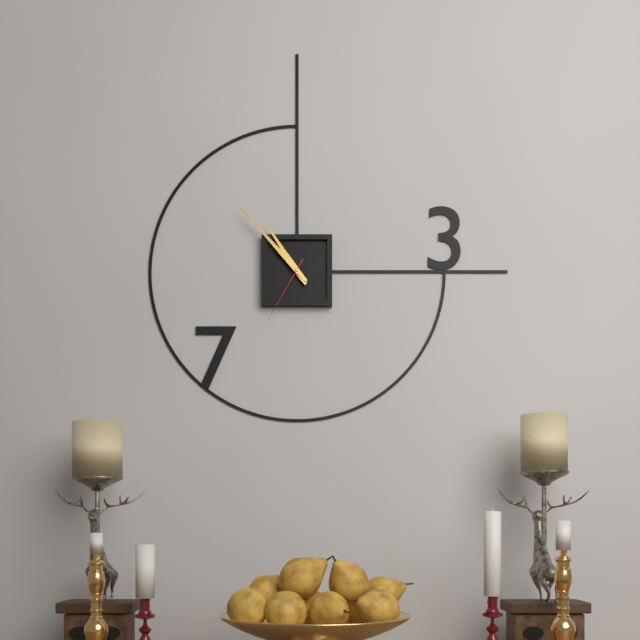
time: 10:53:35
